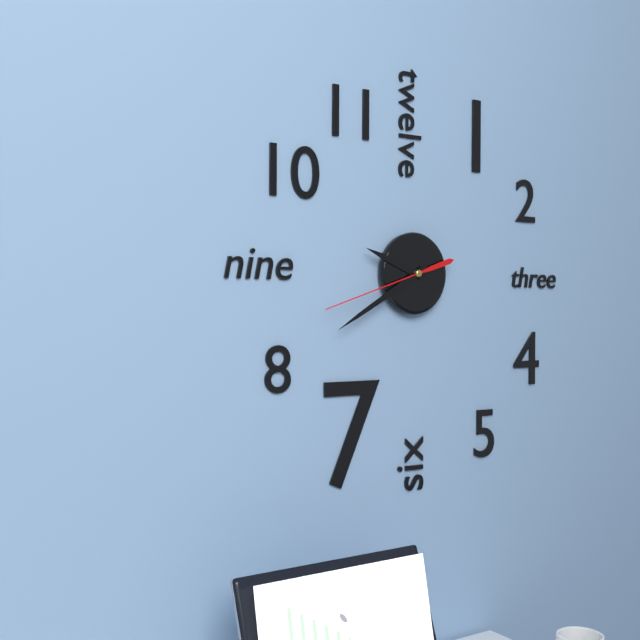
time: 9:40:42
